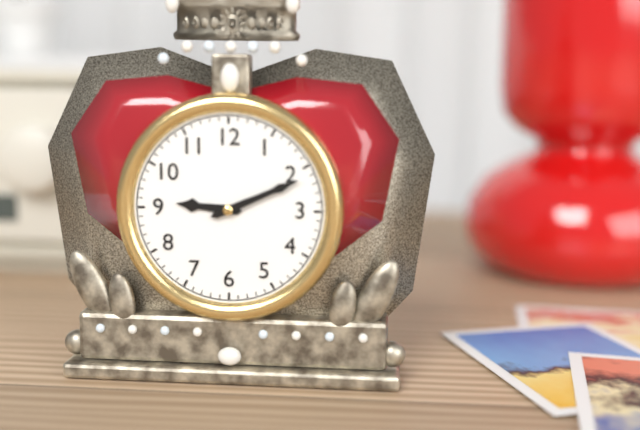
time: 9:11
